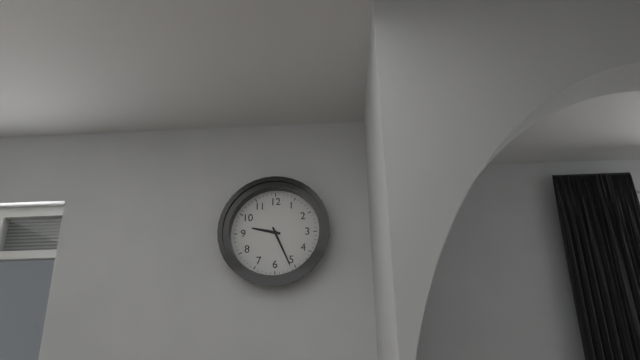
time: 9:26
